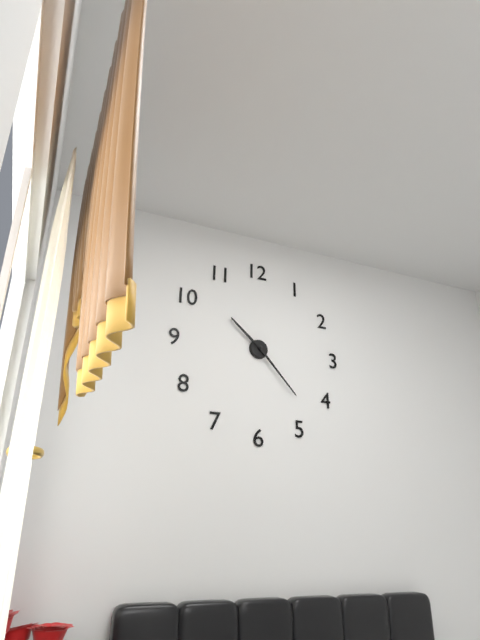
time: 10:23
